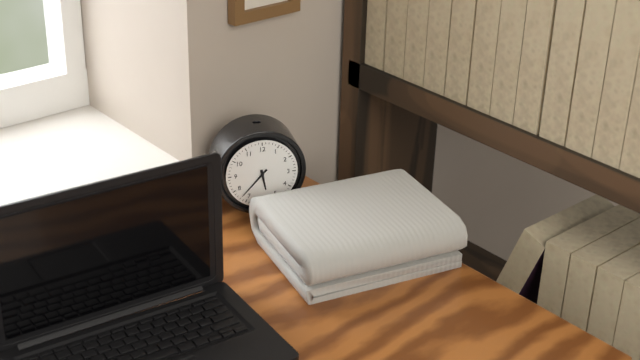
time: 5:37
